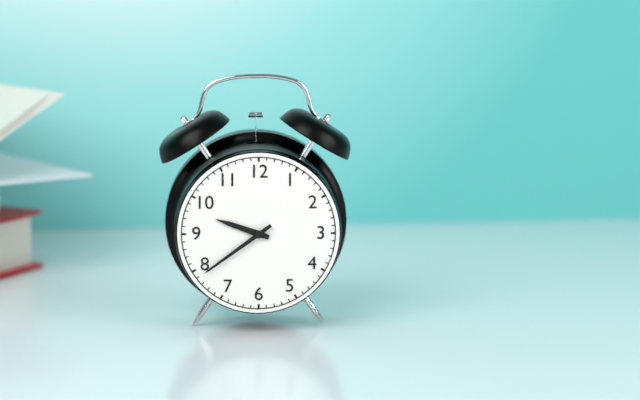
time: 9:39
